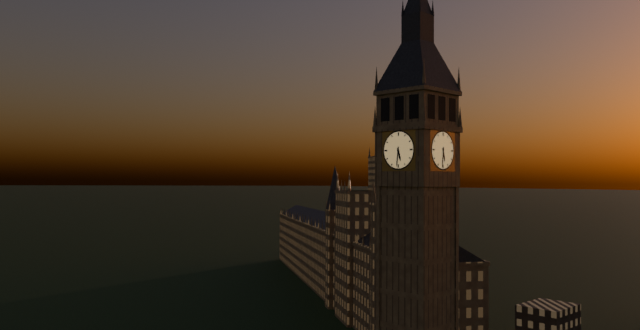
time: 5:31
